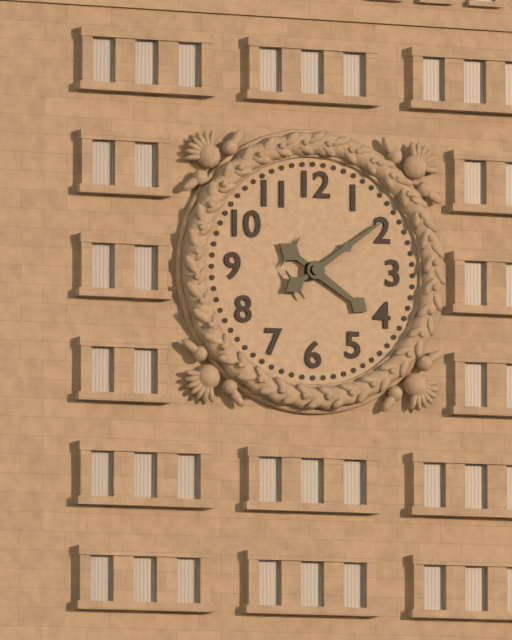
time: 4:09
